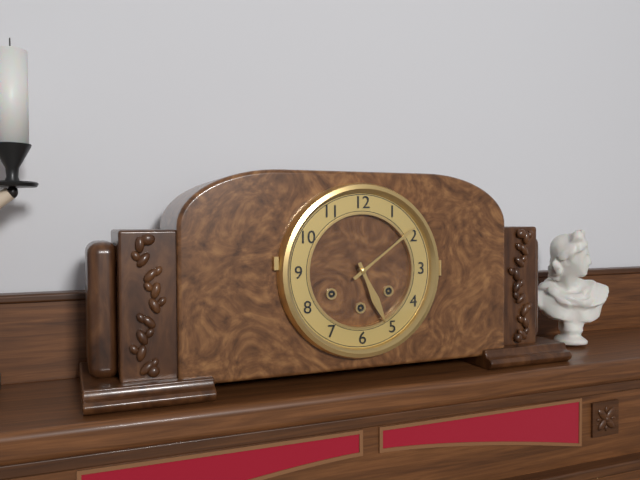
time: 5:09
